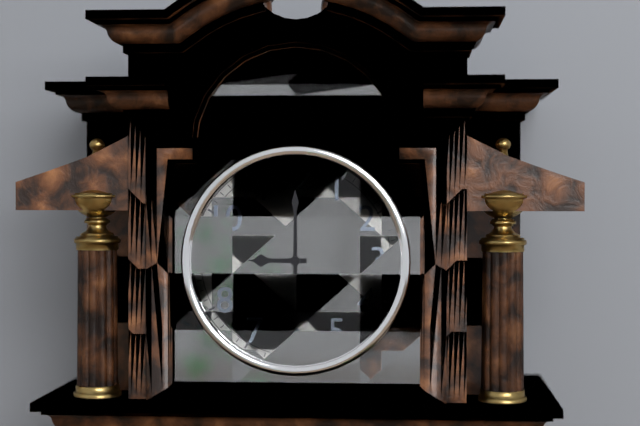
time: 9:00
